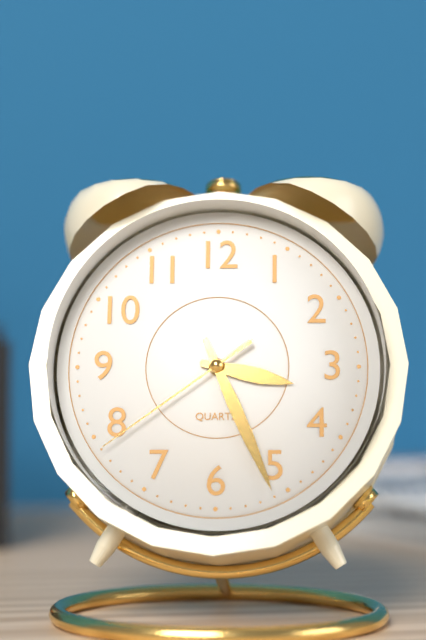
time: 3:26:39
